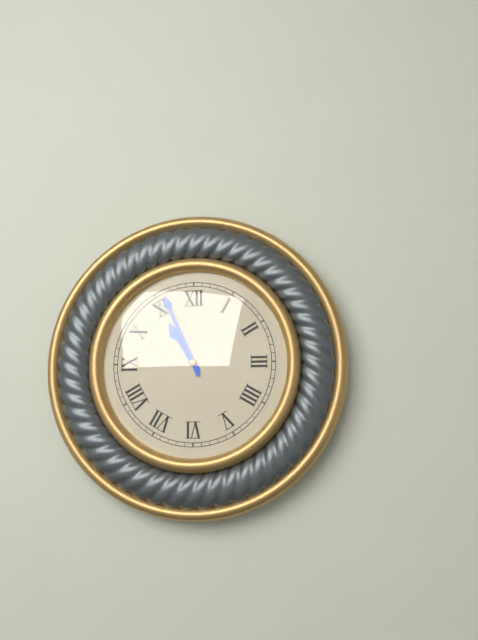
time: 10:56
